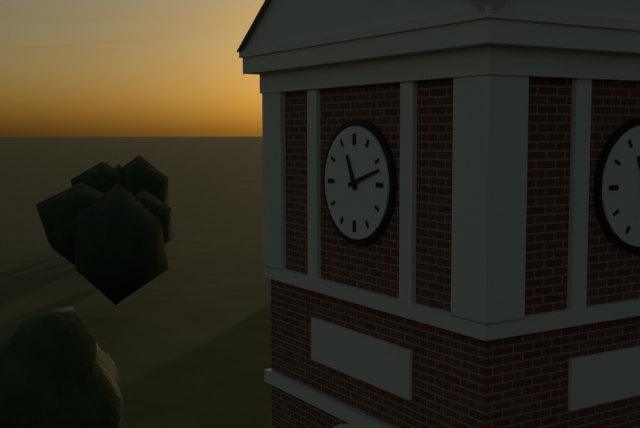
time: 11:12
